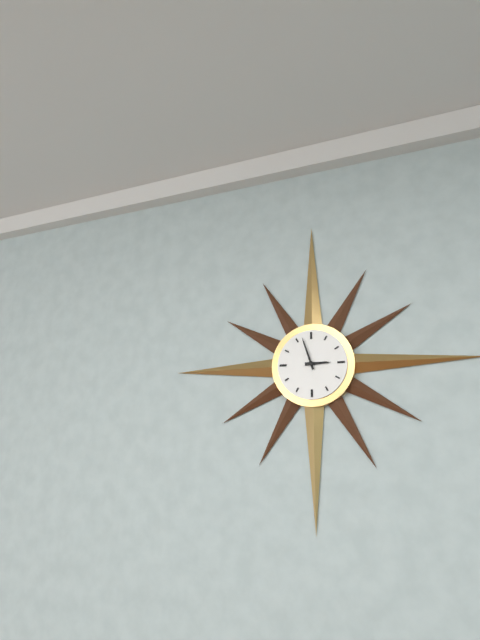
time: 2:57
